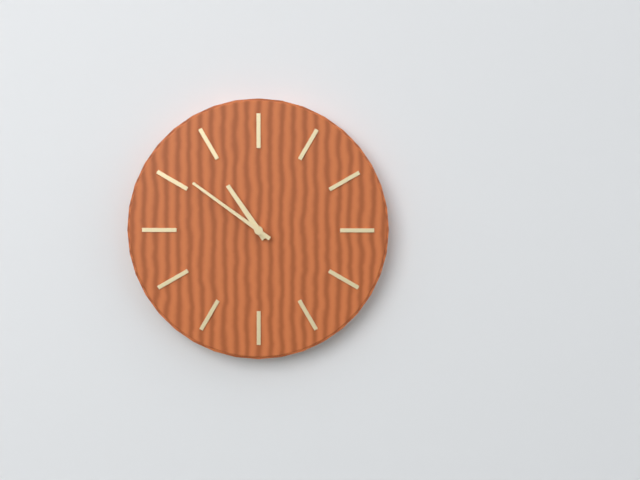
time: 10:51
